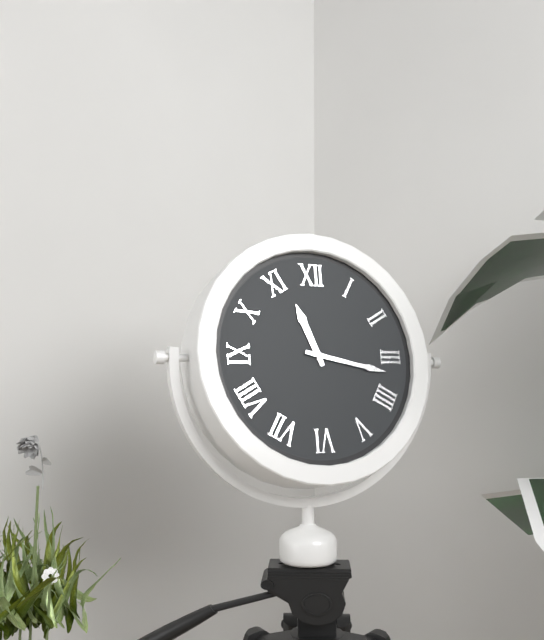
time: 11:17
